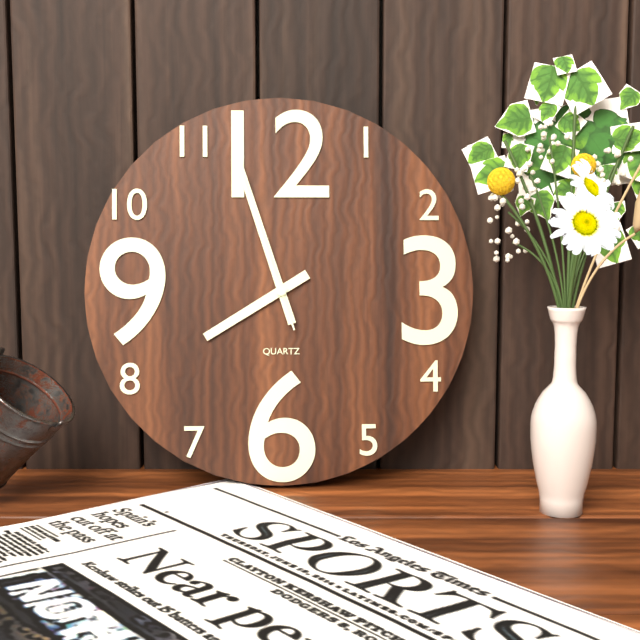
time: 7:57:57
